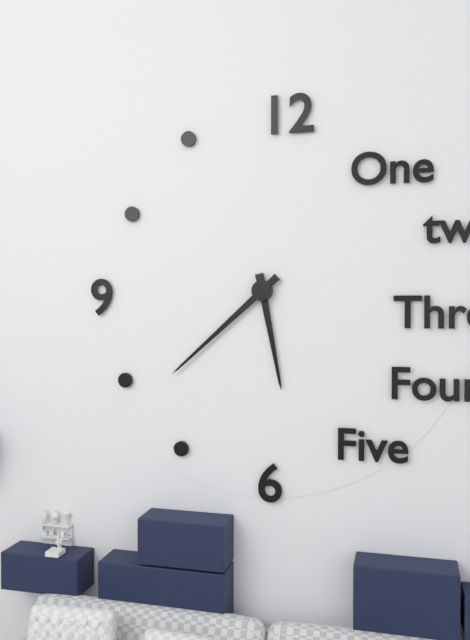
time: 5:38
